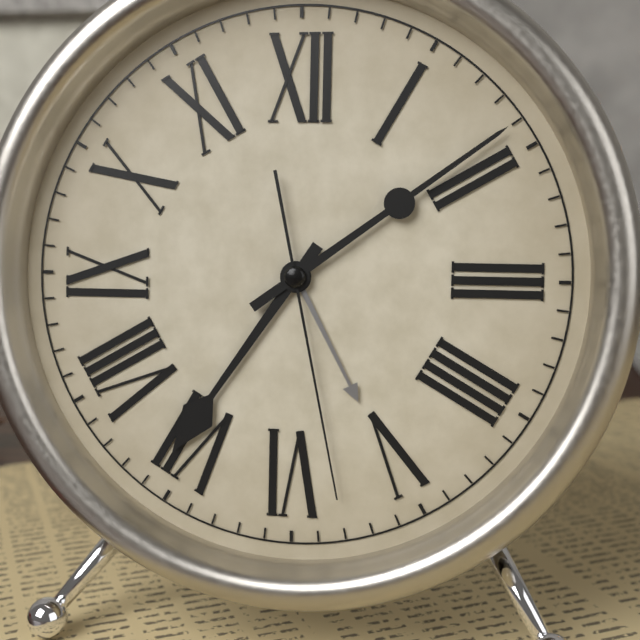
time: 7:09:28
